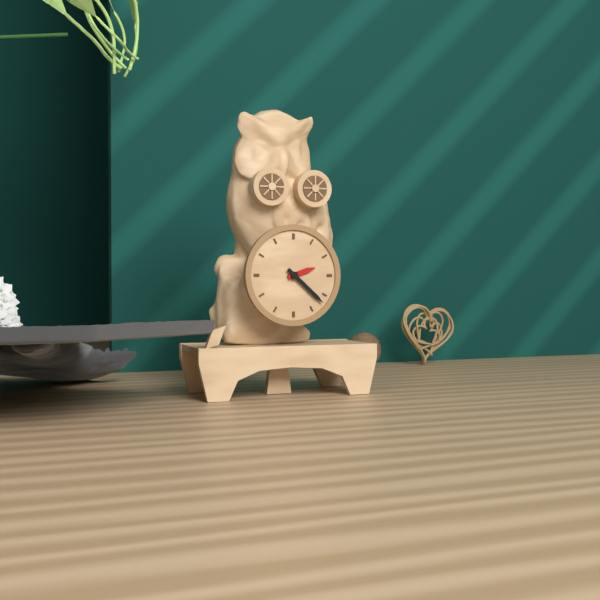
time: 2:22
